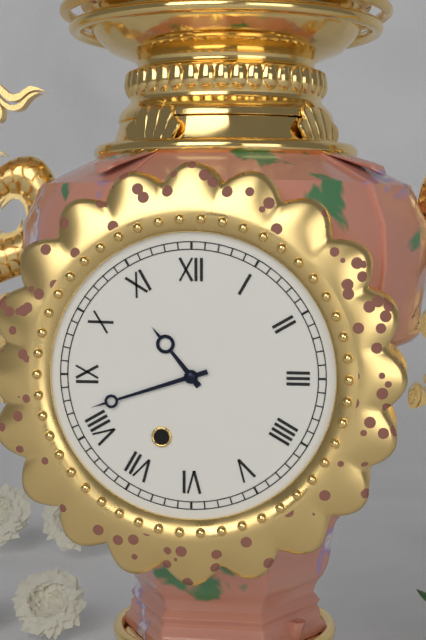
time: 10:42
